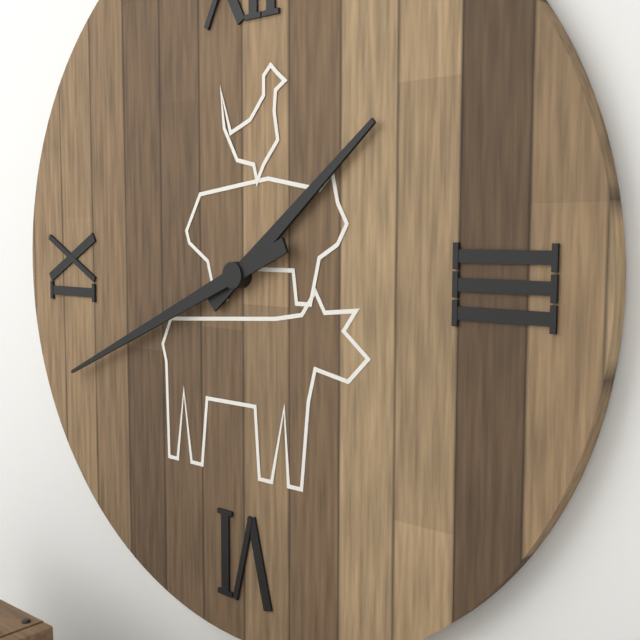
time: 1:41
